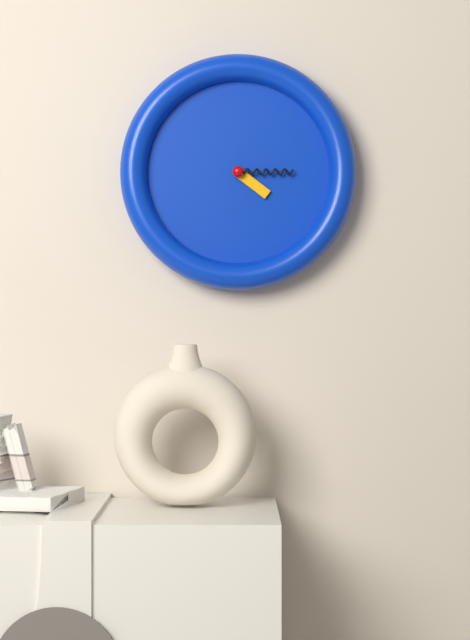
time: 4:15
